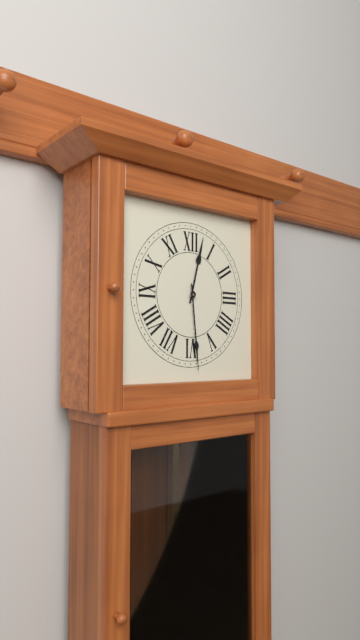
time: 12:29
